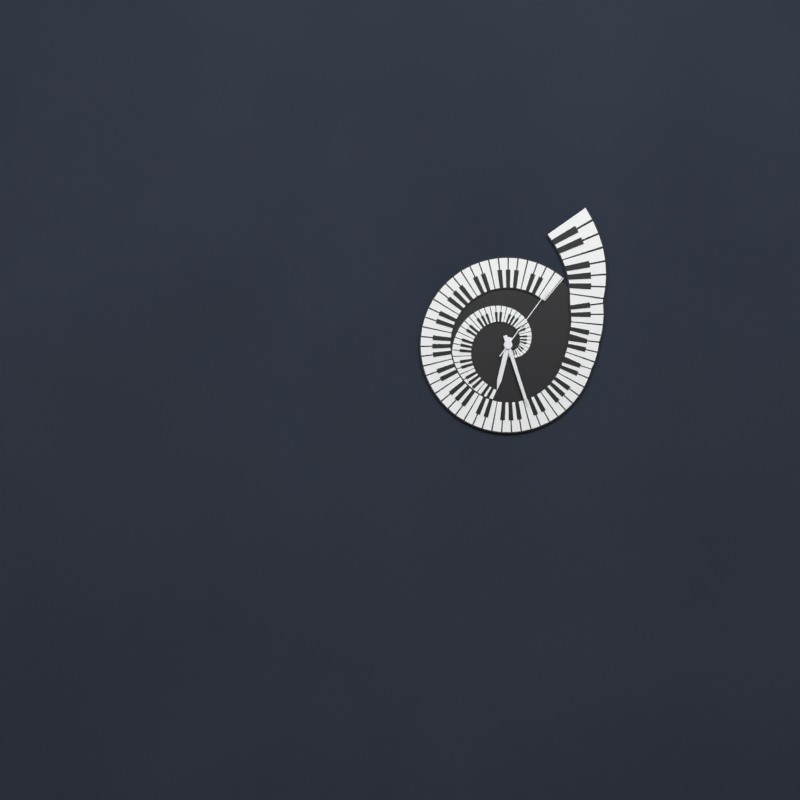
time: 6:27:06
